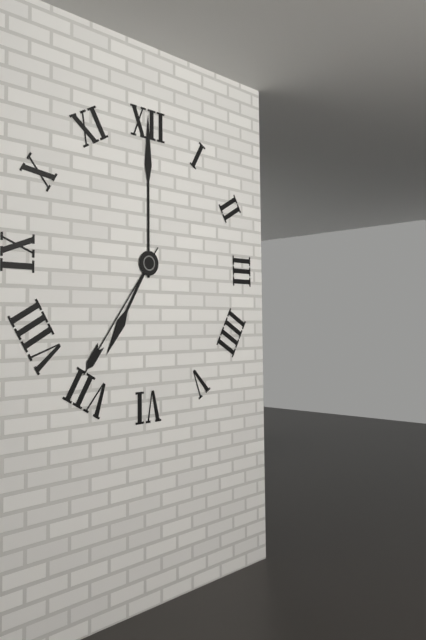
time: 7:00:36
